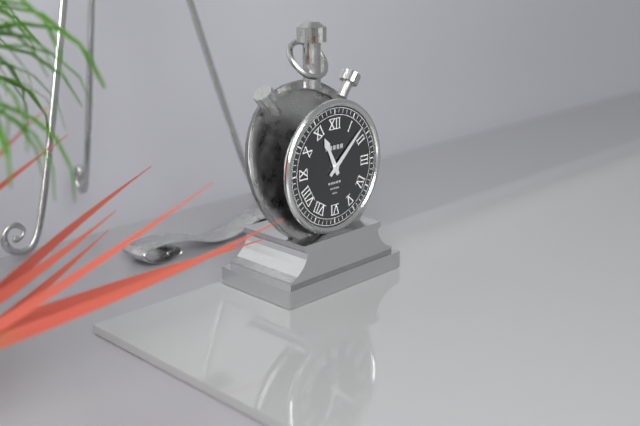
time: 11:08
